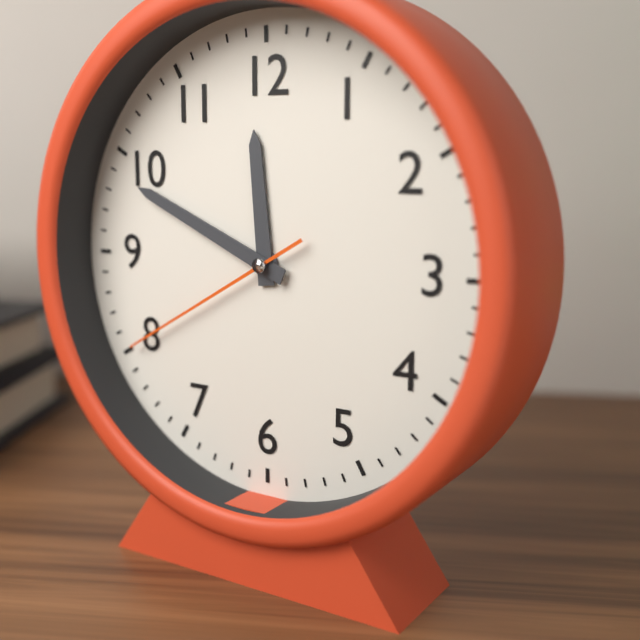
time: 11:49:40
